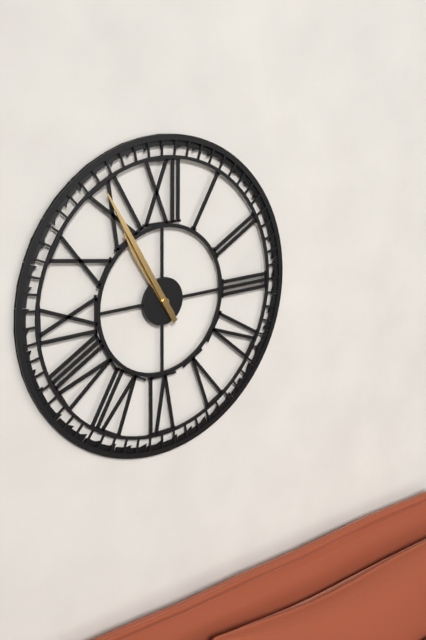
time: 10:55
